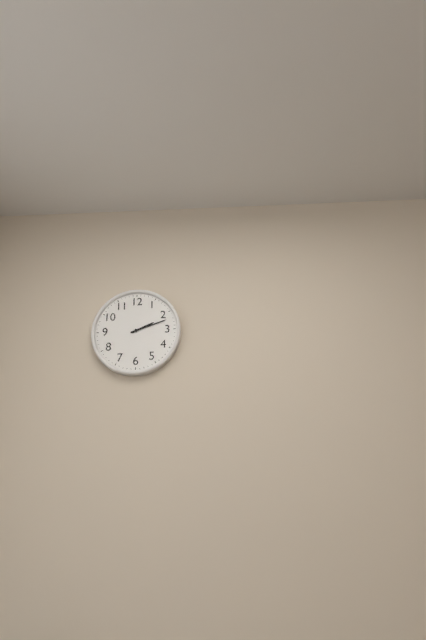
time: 2:12
